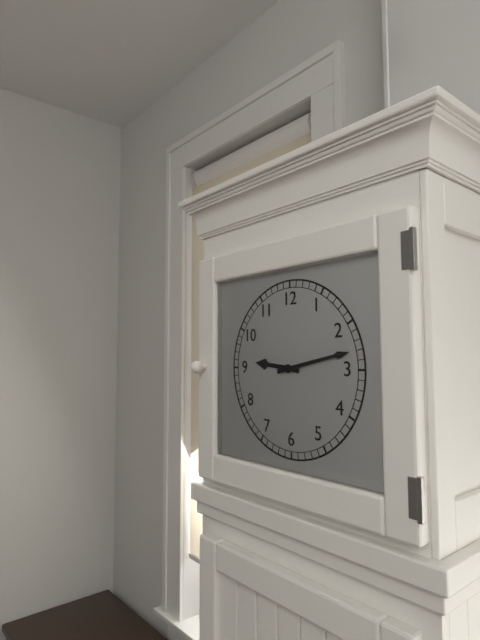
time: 9:13
